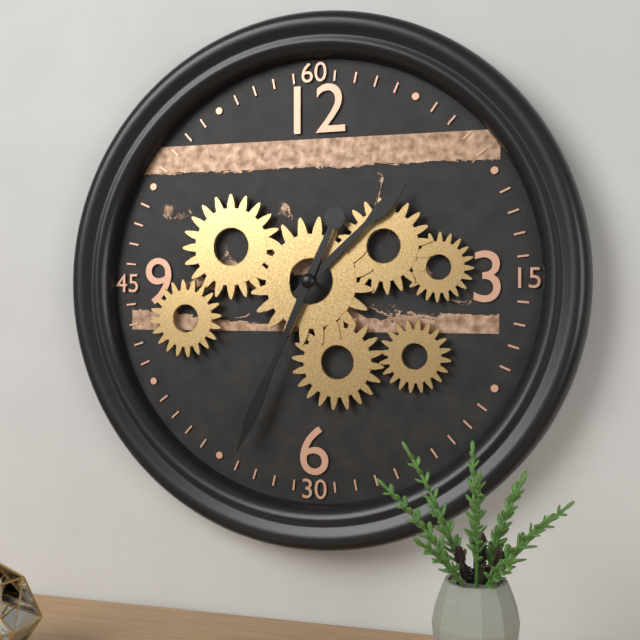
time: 1:34
